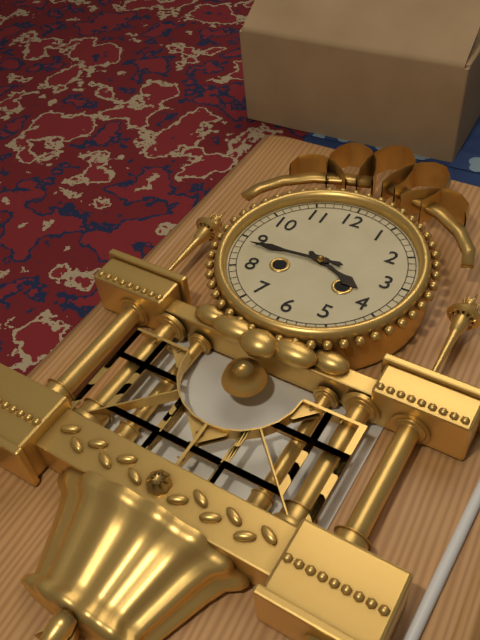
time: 3:44
